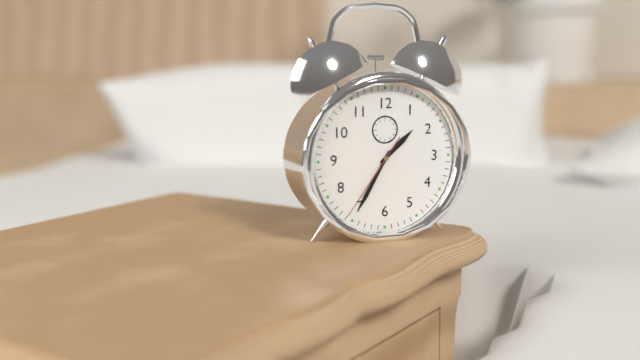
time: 1:35:36
